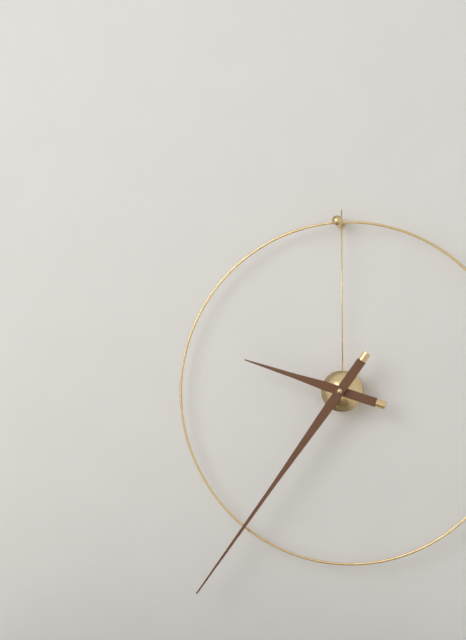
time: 9:36
